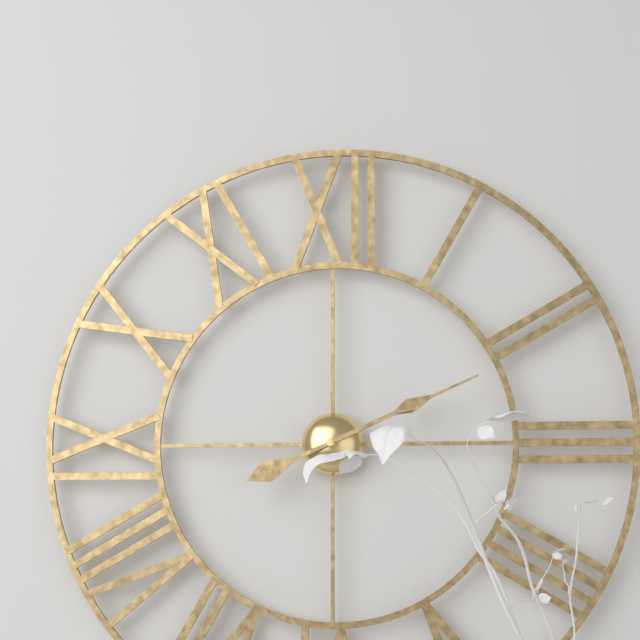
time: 2:11
